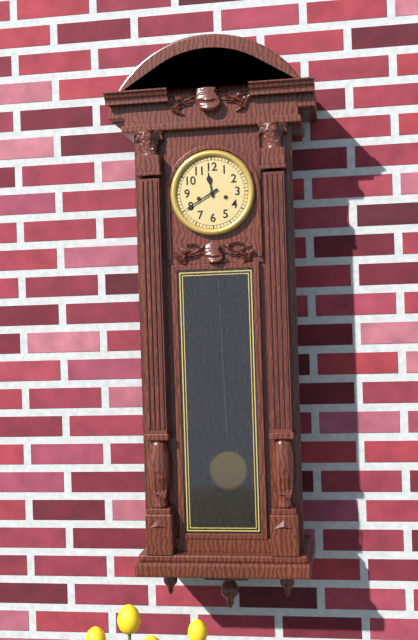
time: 11:40
